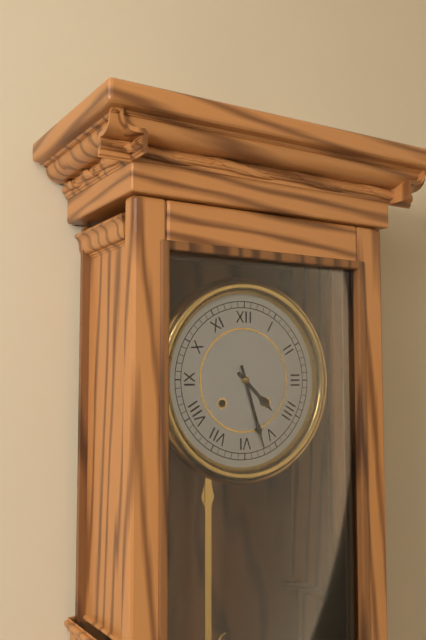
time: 4:27
